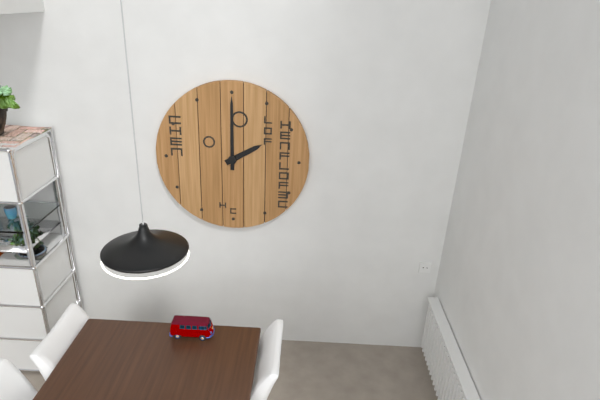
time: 2:00
